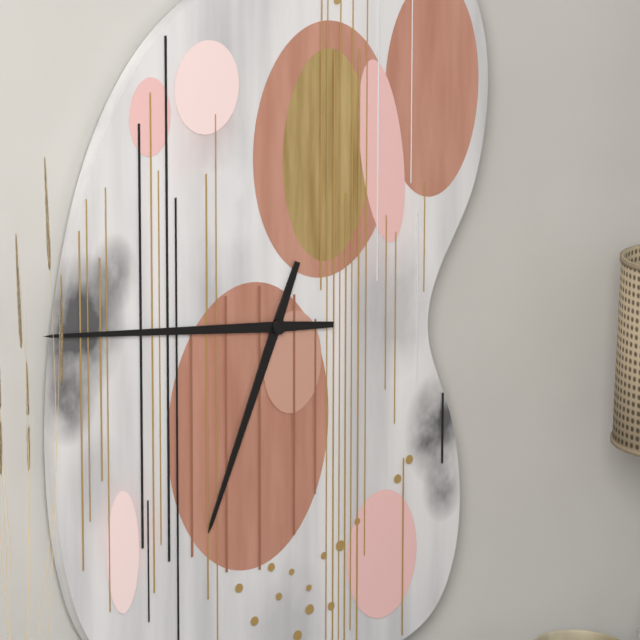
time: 6:46
